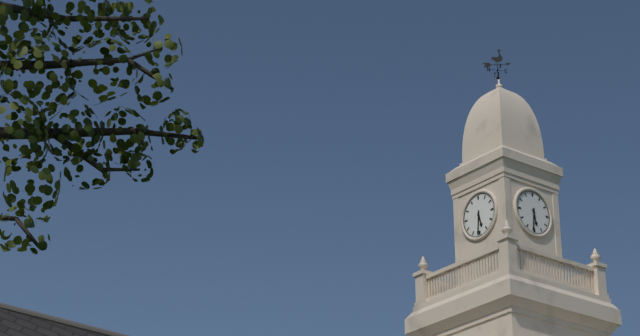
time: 5:31
